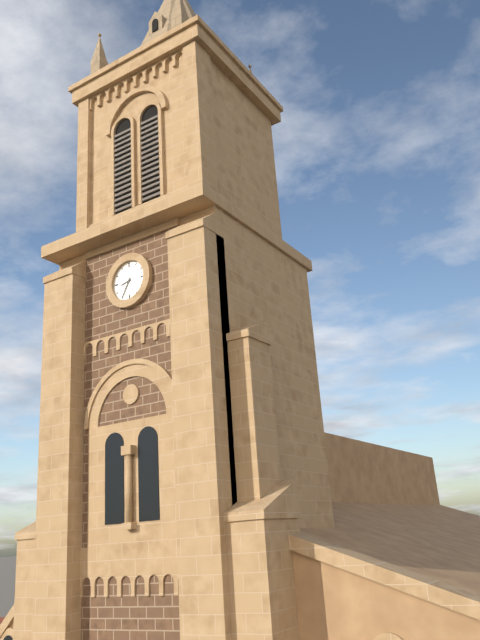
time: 8:35
